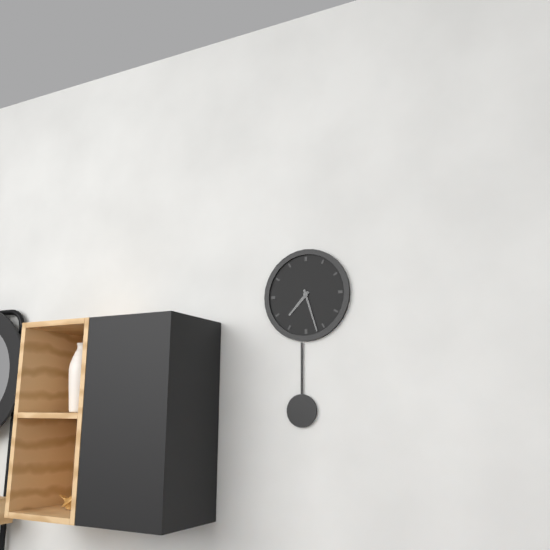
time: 7:27
